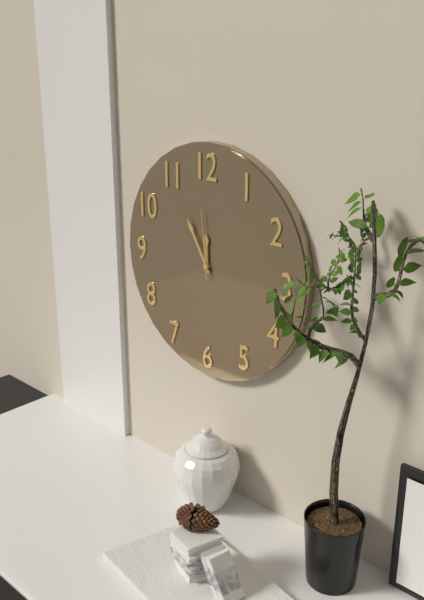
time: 11:55:59
